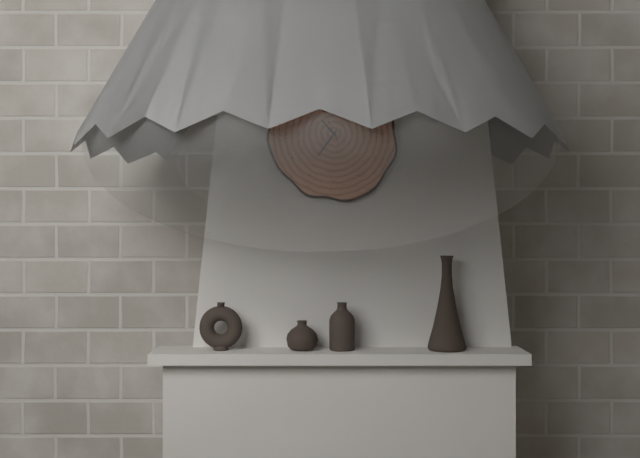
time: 10:36
